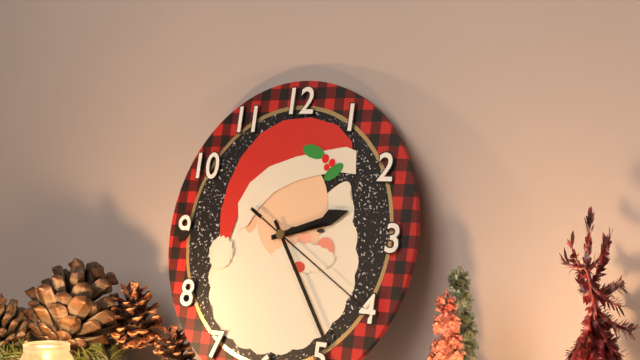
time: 2:24:20
